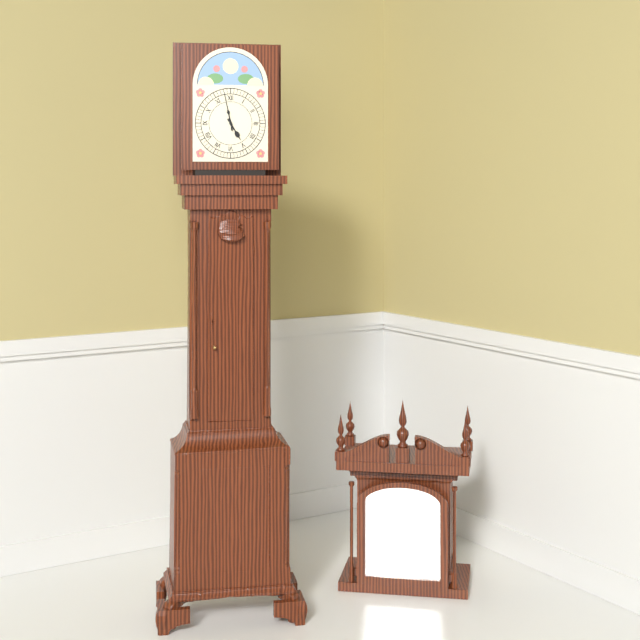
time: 4:58
